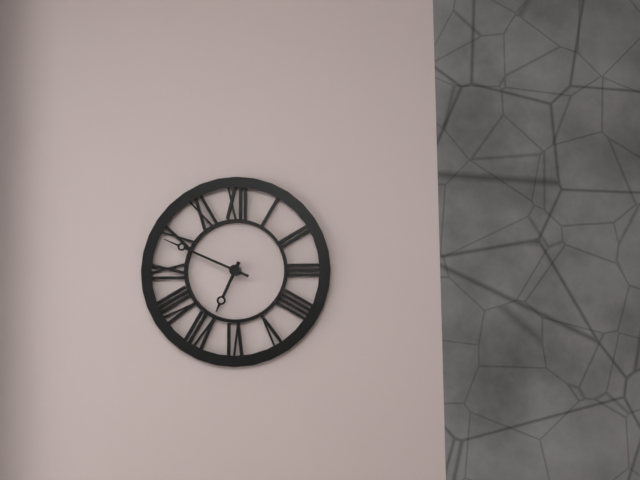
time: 6:49
